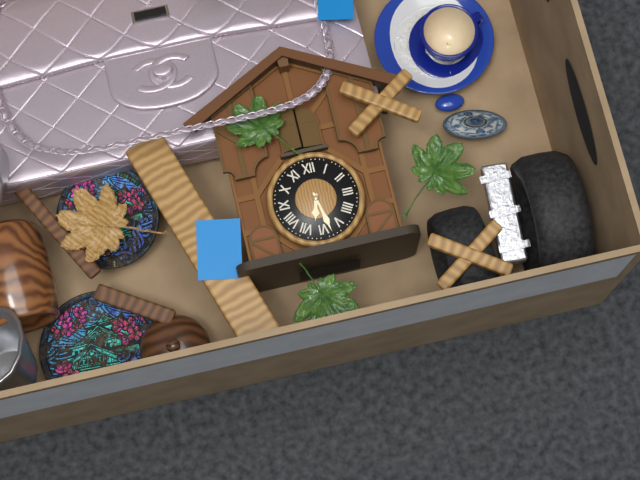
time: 6:28
